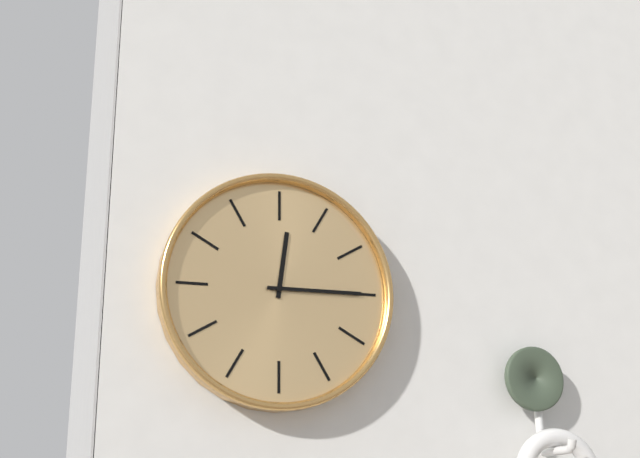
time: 12:15
